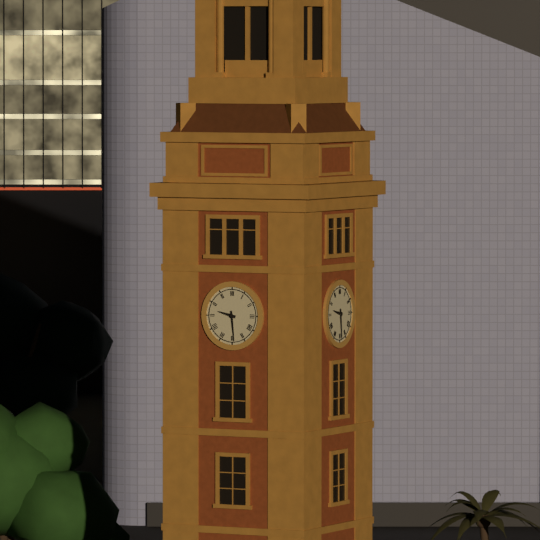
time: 9:29
